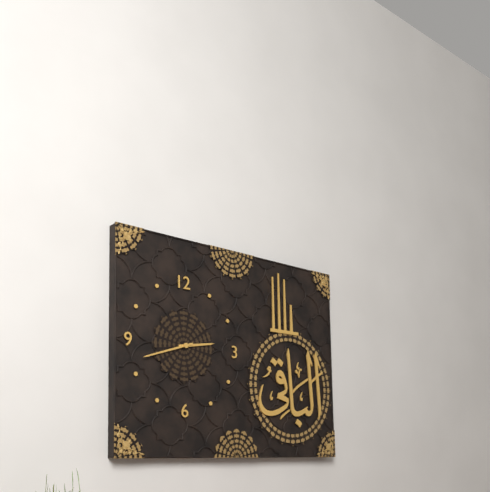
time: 2:42
